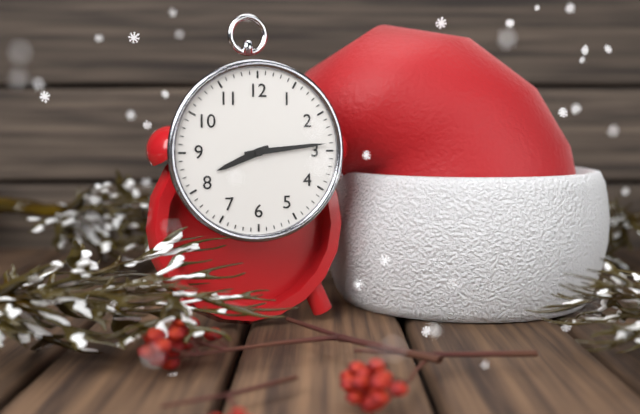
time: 8:14
